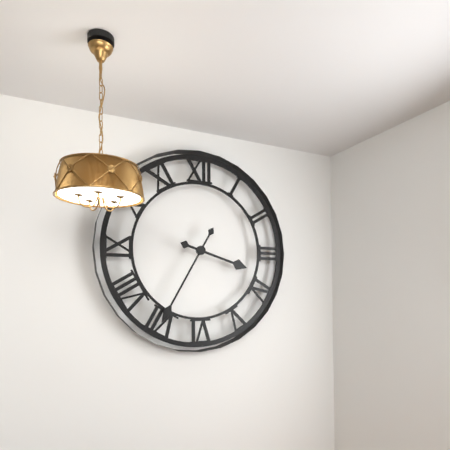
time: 3:35
